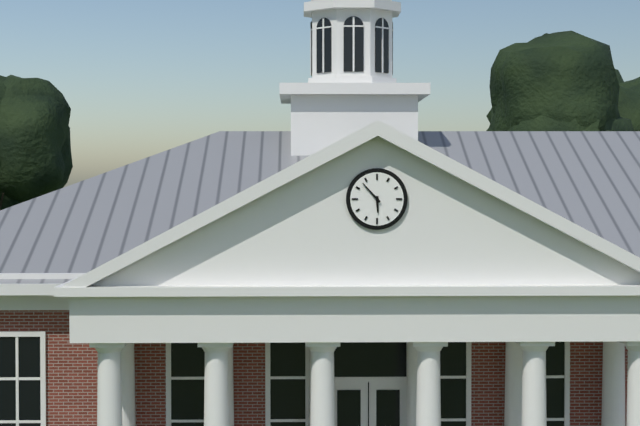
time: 5:53
